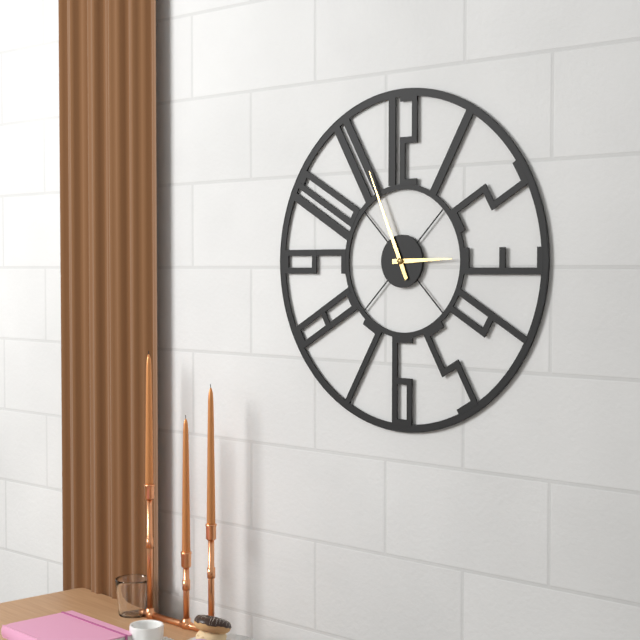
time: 2:56
